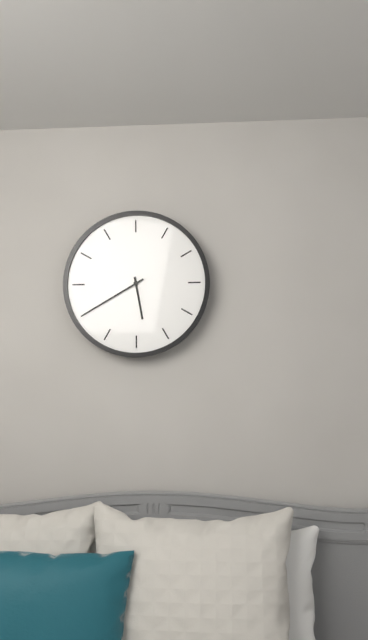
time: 5:40
